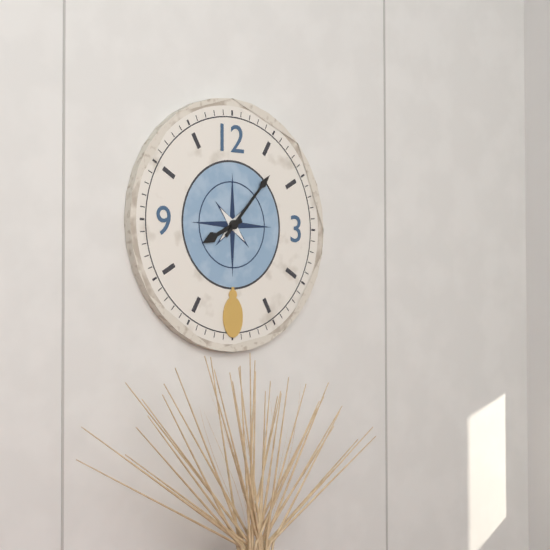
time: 8:07
